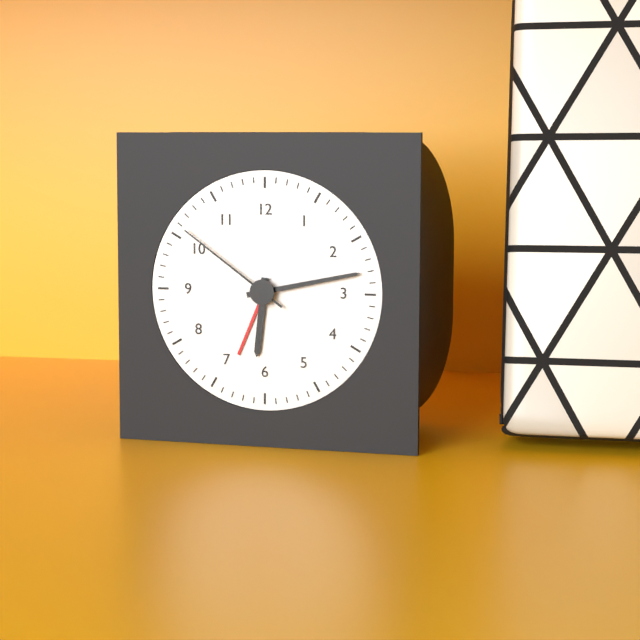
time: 6:13:51
